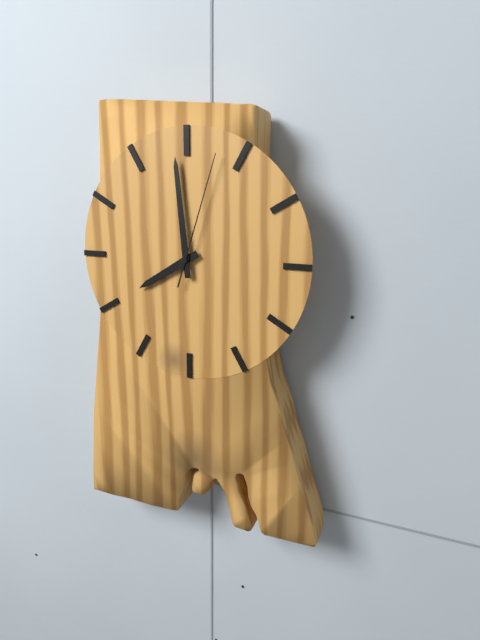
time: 7:59:03
